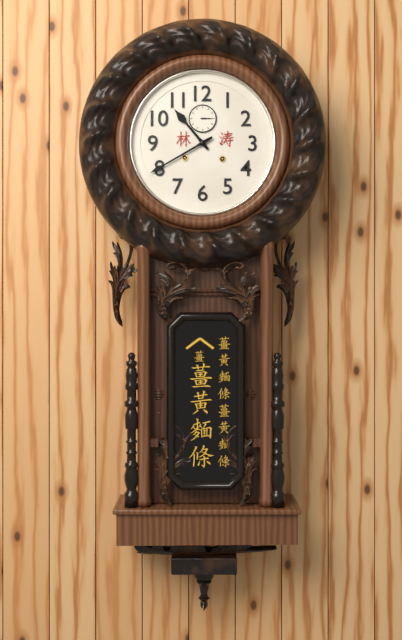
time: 10:40
